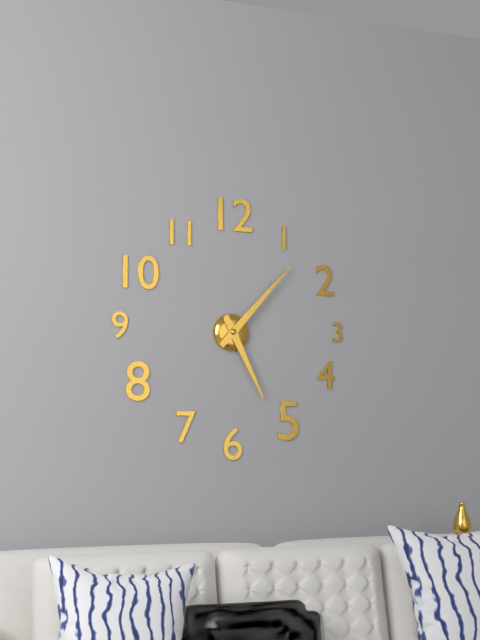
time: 5:07
